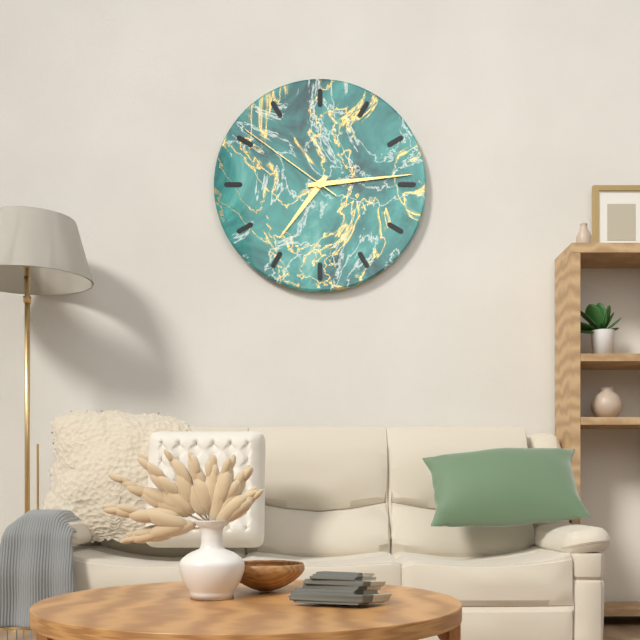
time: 7:14:51
